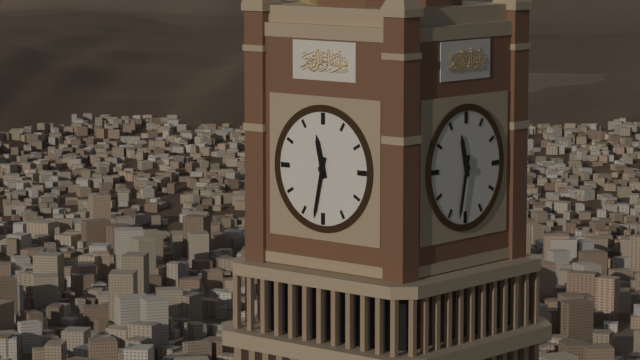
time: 11:32
